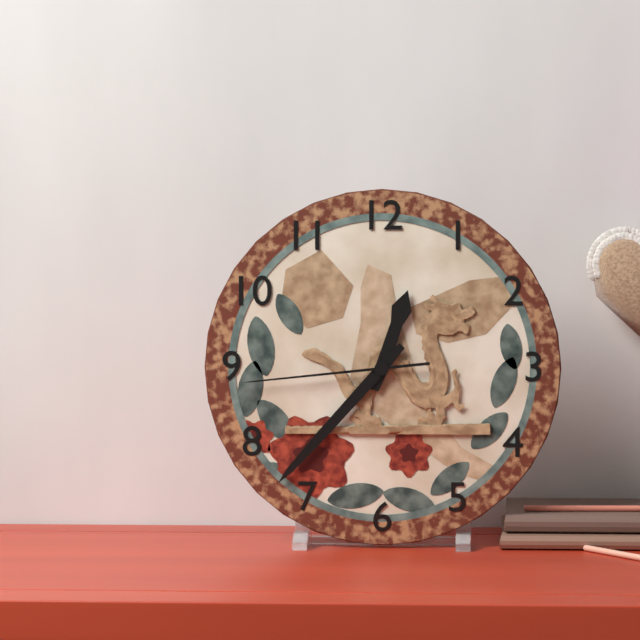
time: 12:37:44
